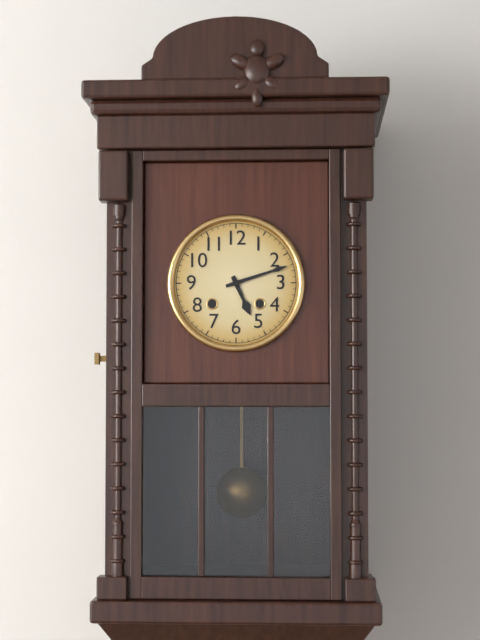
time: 5:12
